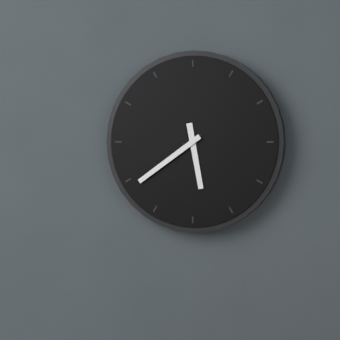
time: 5:39
